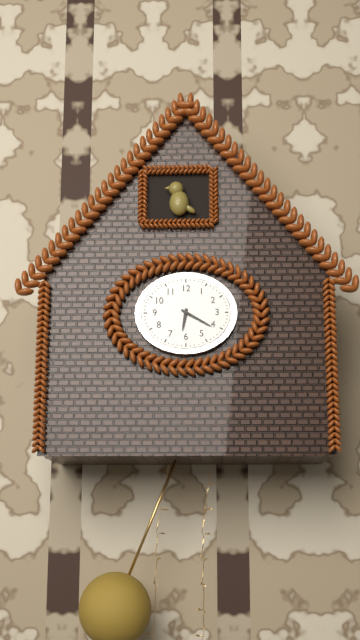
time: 6:20
